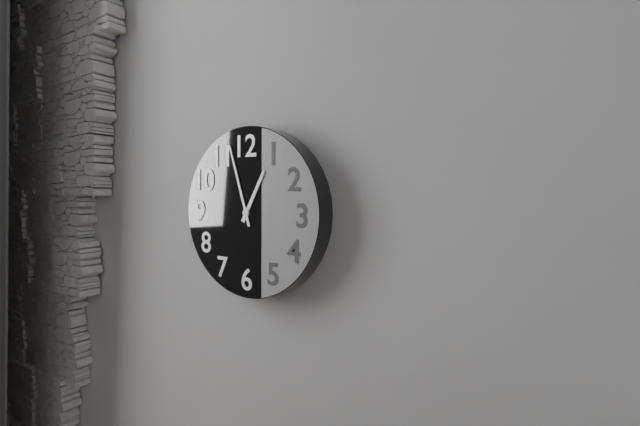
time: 12:57
